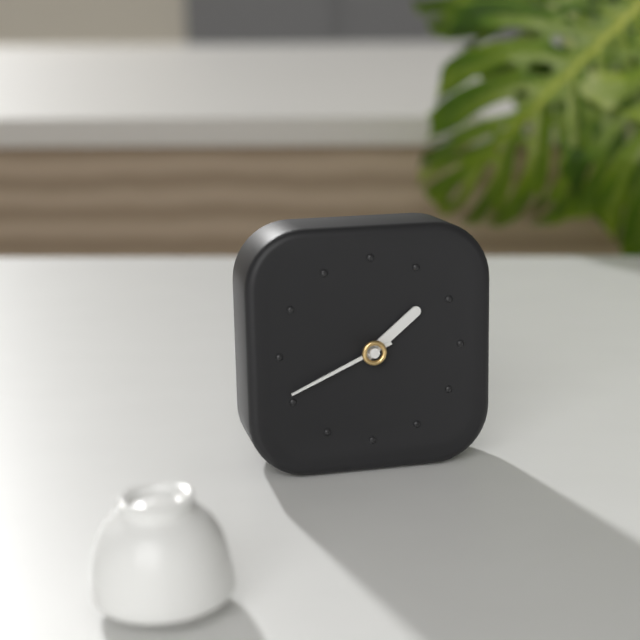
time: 1:41
